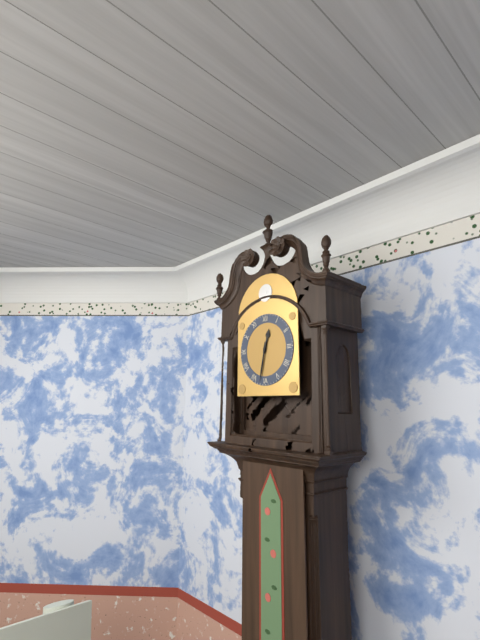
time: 12:32
